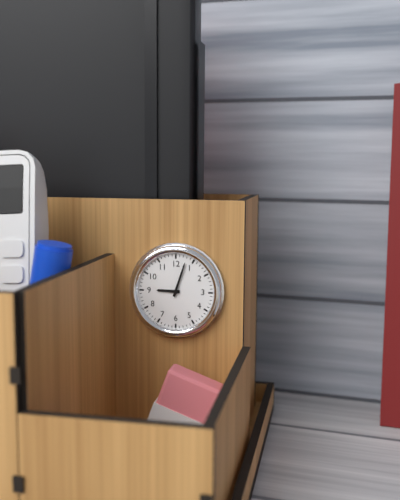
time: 9:03
